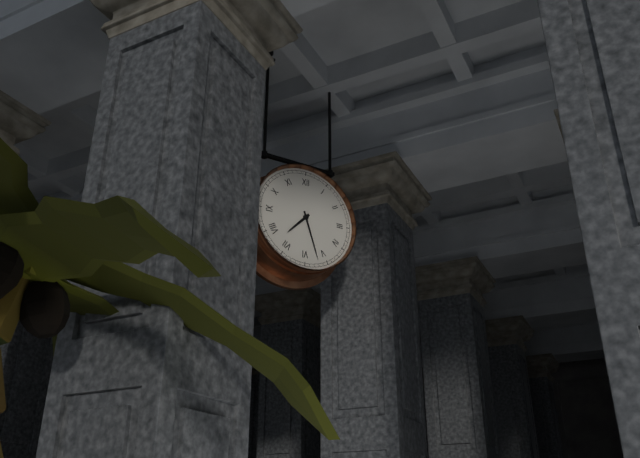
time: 7:27
